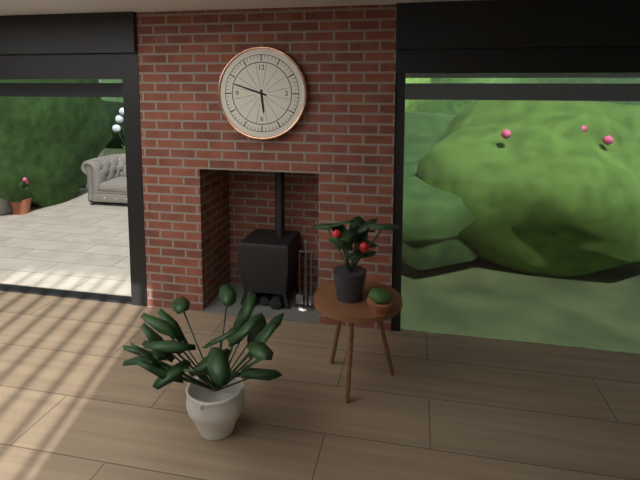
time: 5:48
